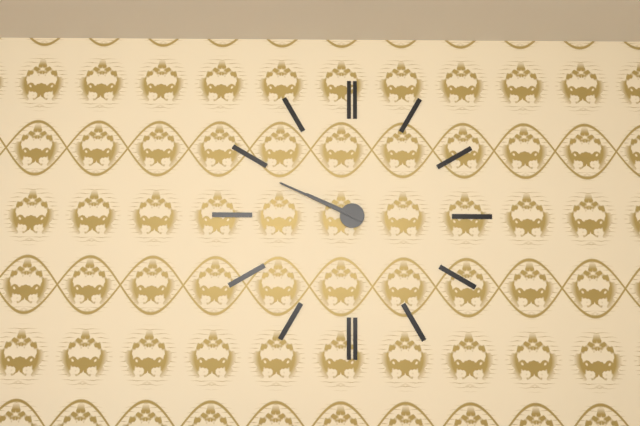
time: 9:49
